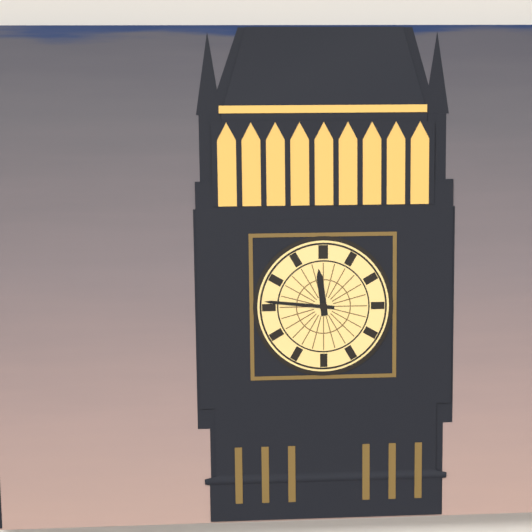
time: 11:46
